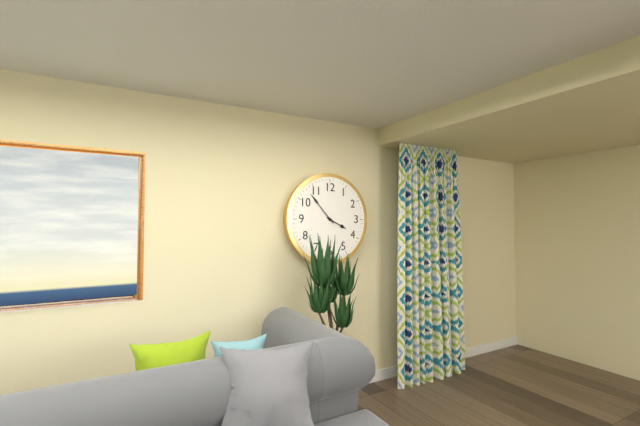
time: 3:53
